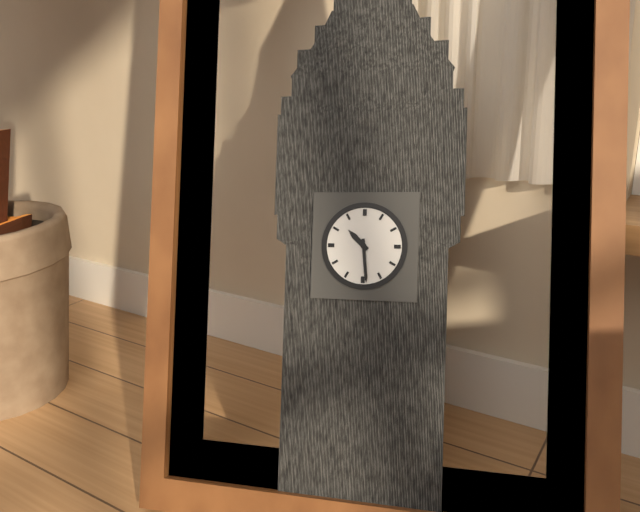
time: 10:29
